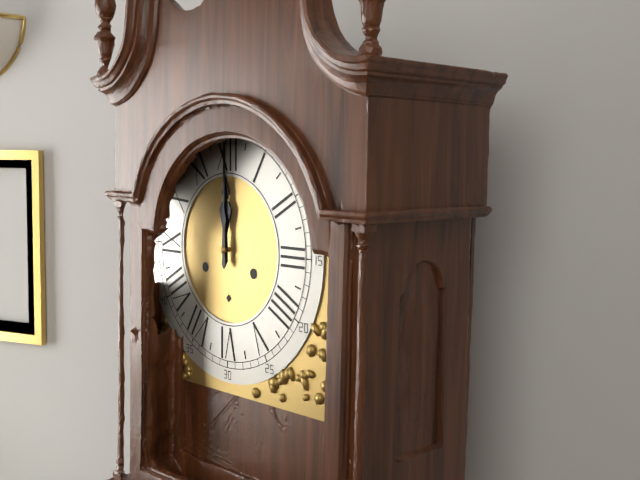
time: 12:00
